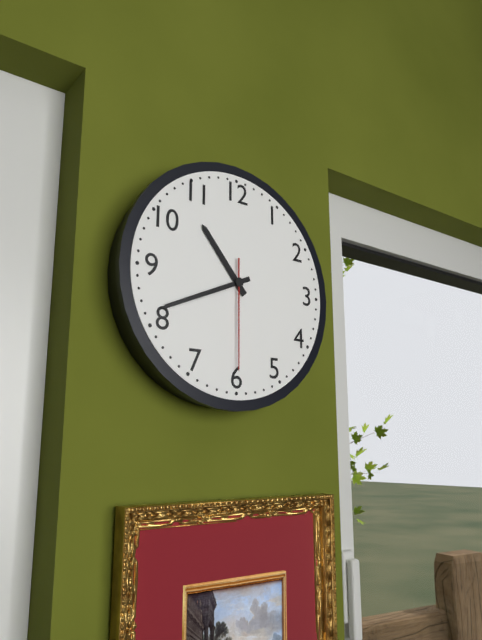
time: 10:41:30
